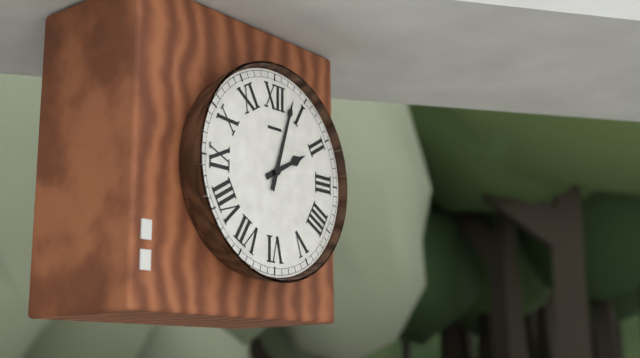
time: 2:03
